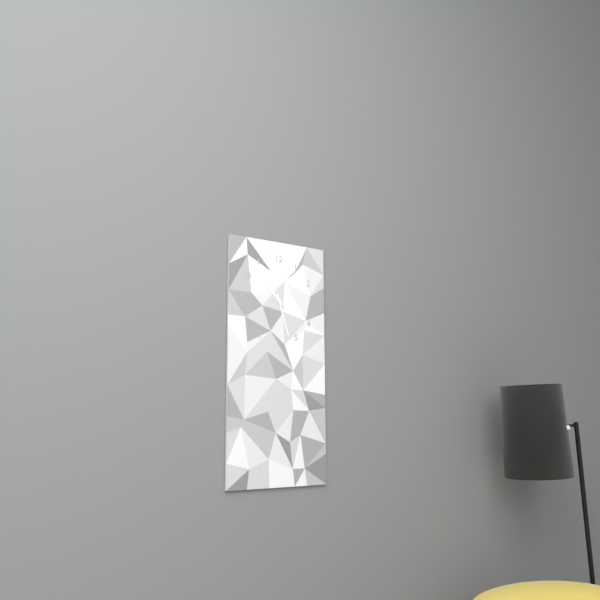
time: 10:27
